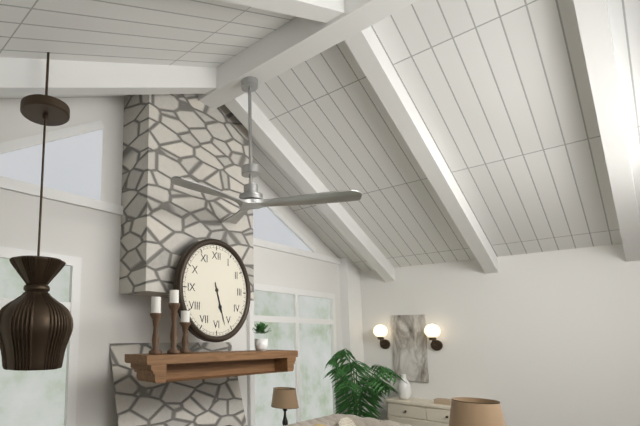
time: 5:27
